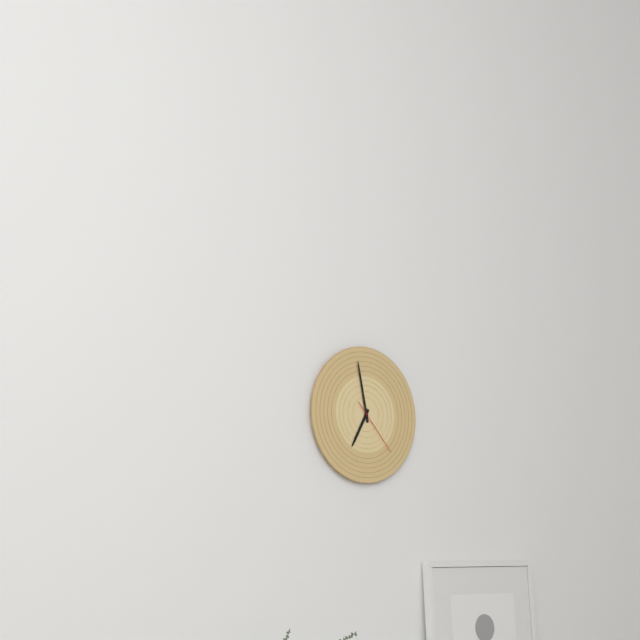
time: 6:58:23
